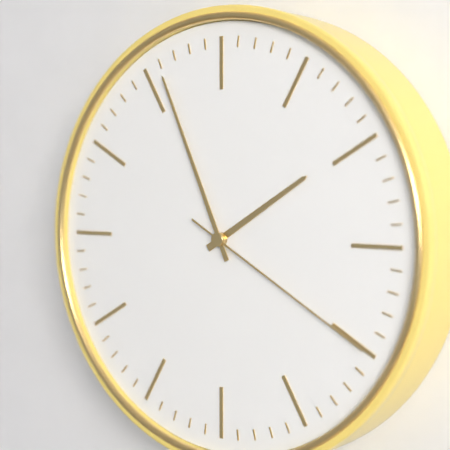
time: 1:56:20
